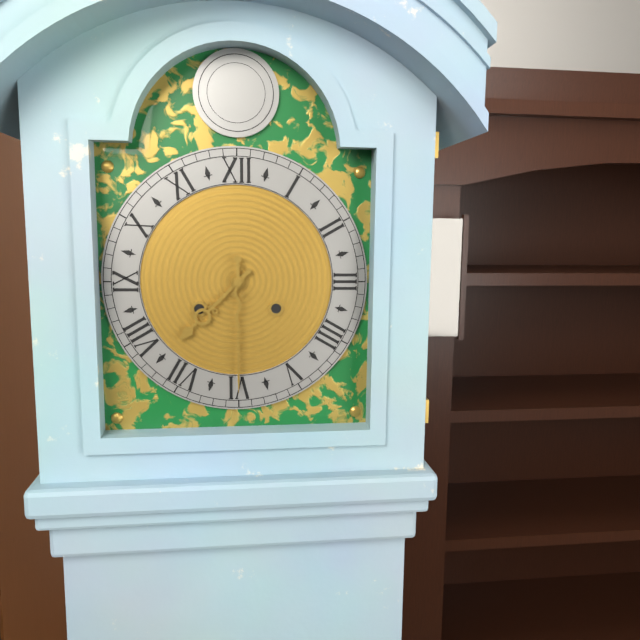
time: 7:30
